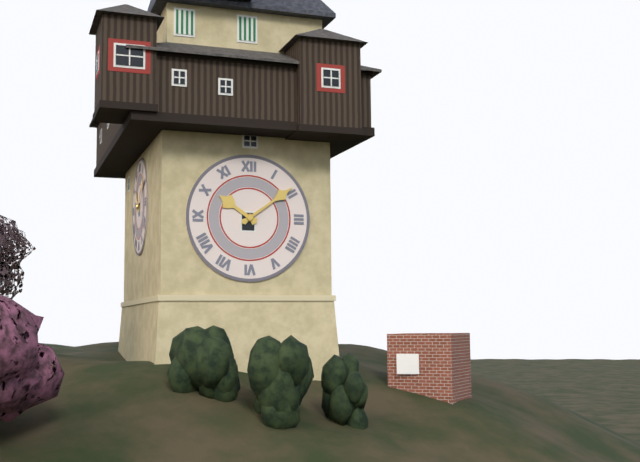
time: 10:09
